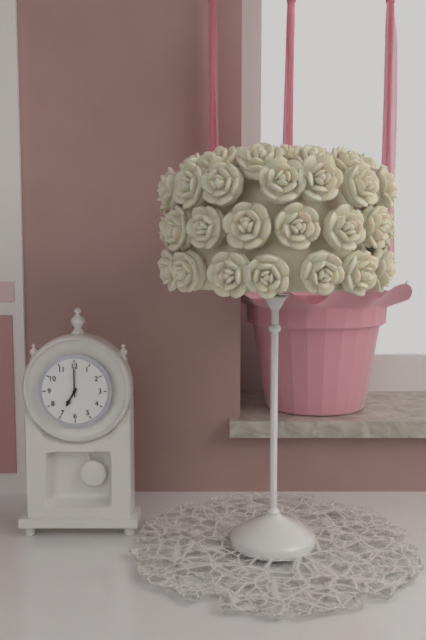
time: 7:00
